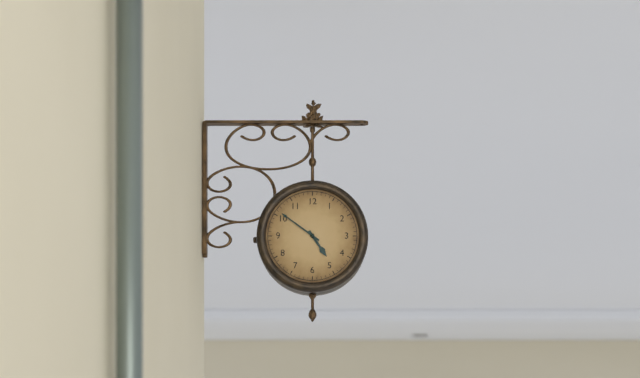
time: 4:51
